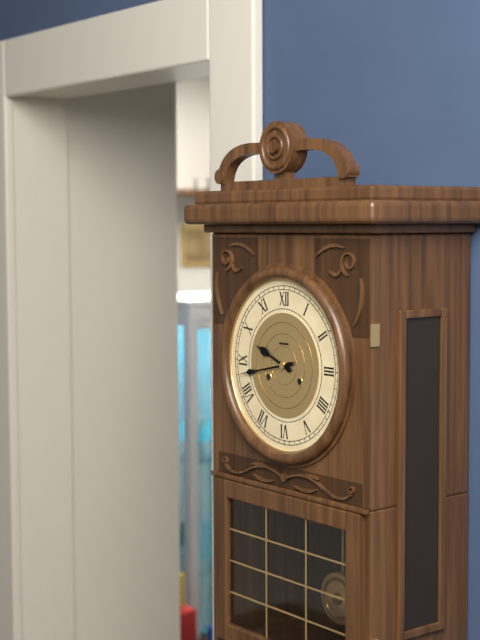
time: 9:43
